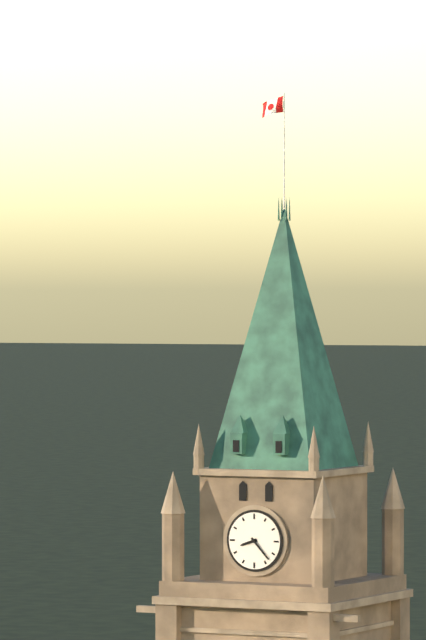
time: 8:23
